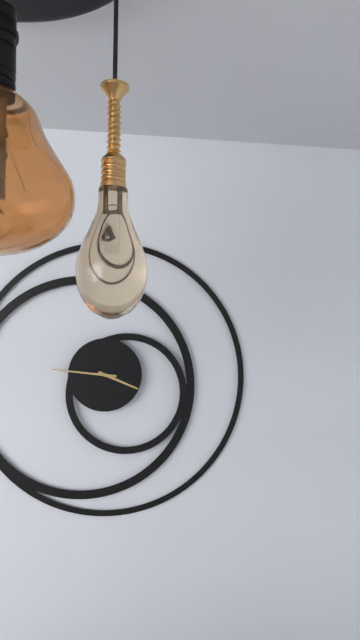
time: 3:46
